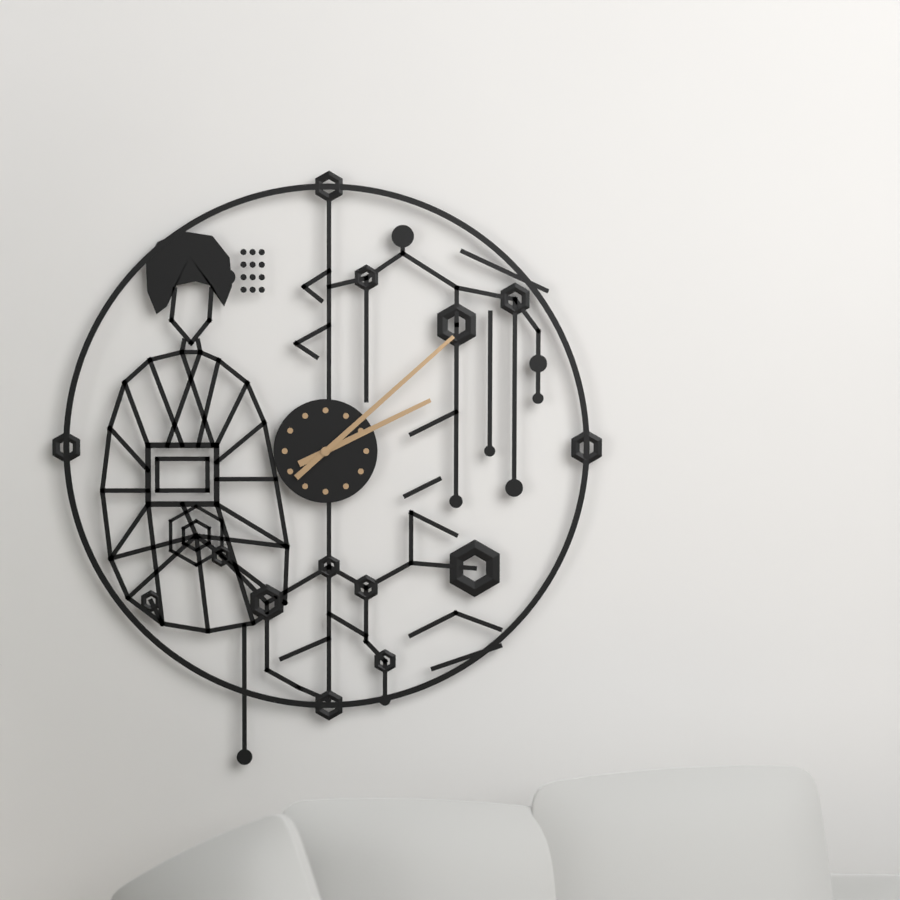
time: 2:08
